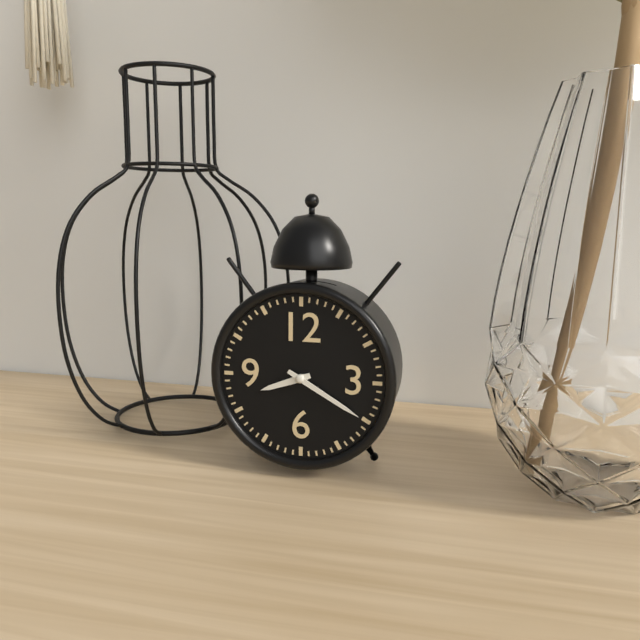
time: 8:20
